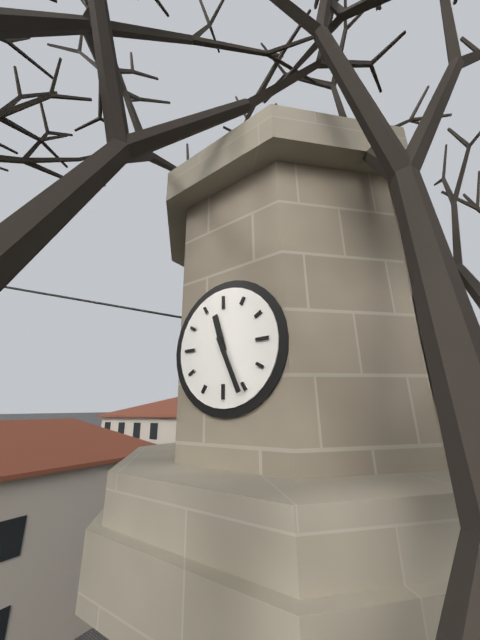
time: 11:26
